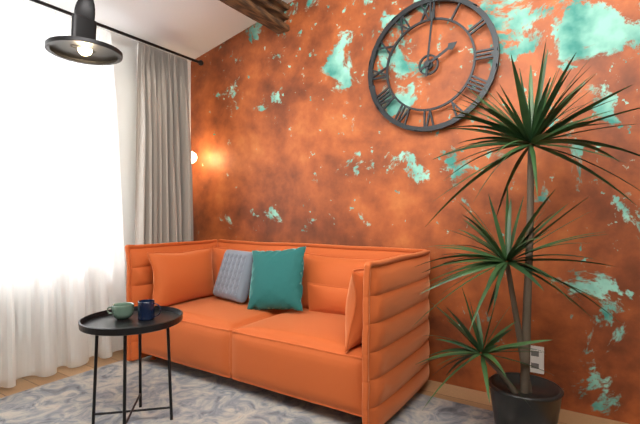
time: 2:01
